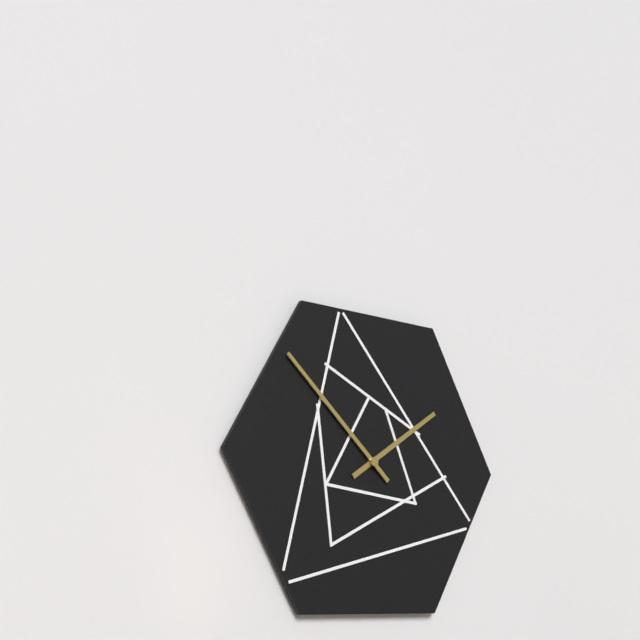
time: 1:52
